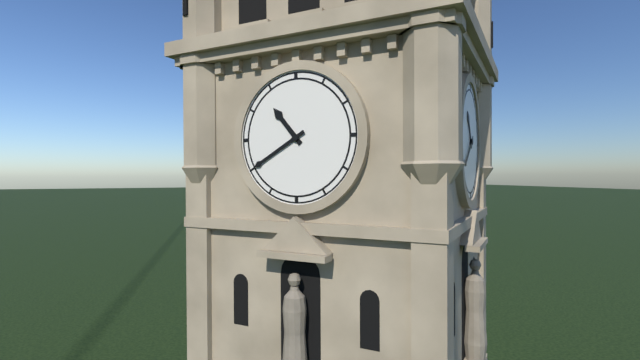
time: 10:40
